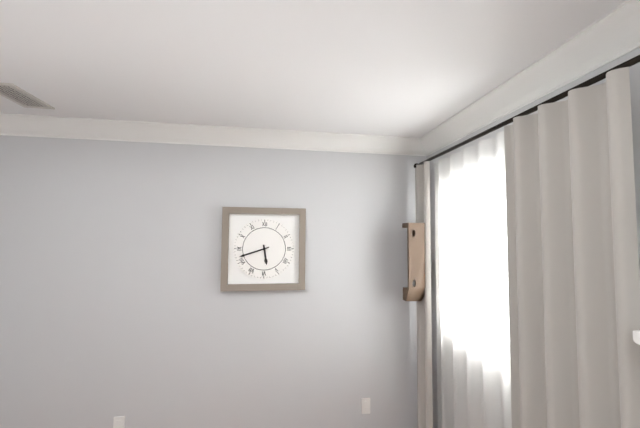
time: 5:42
